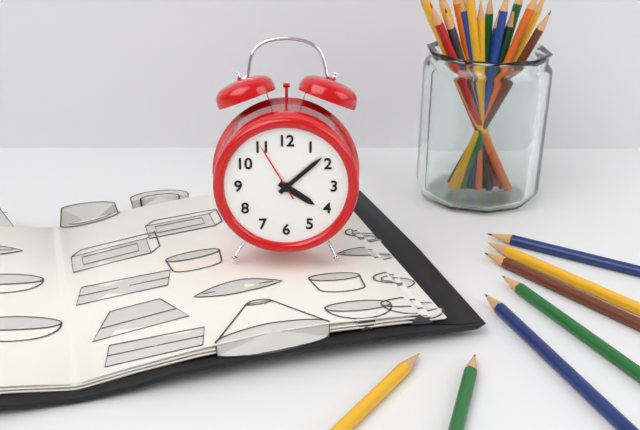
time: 4:08:55
